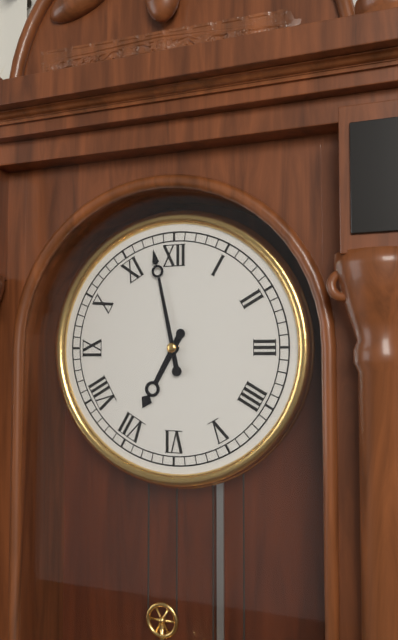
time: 6:58
